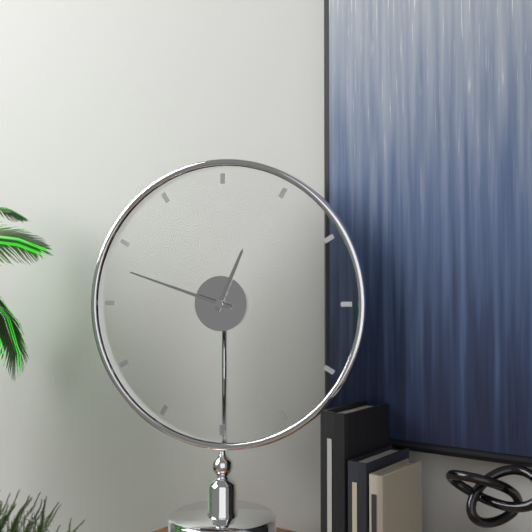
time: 12:48
